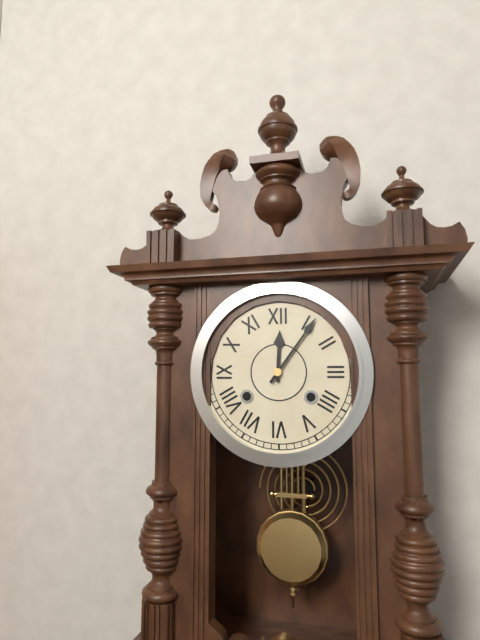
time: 12:06
